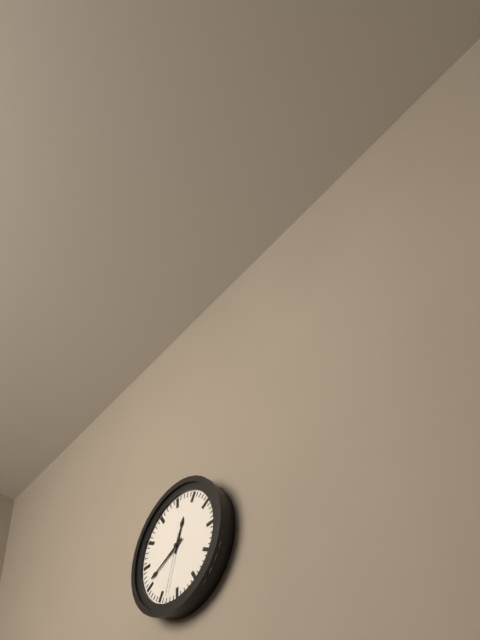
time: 12:41:33
